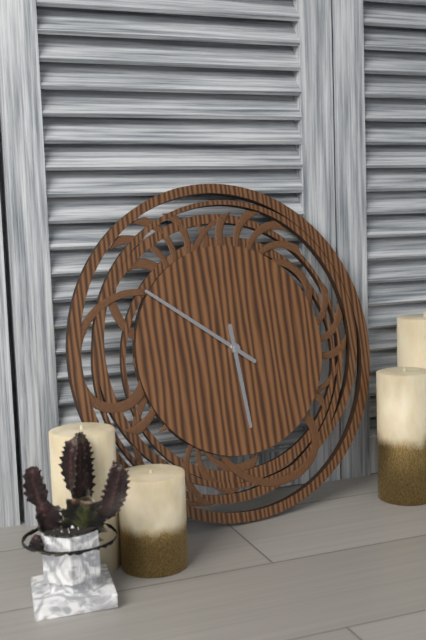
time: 5:51
